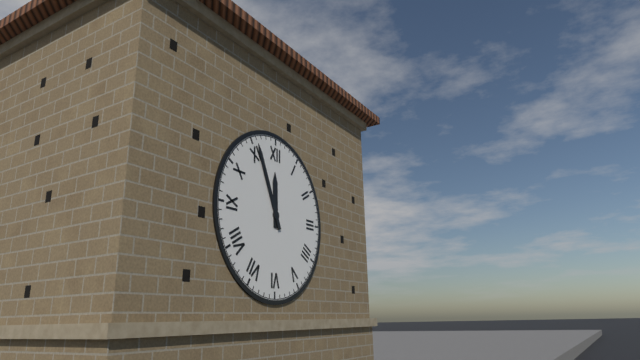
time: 11:56
